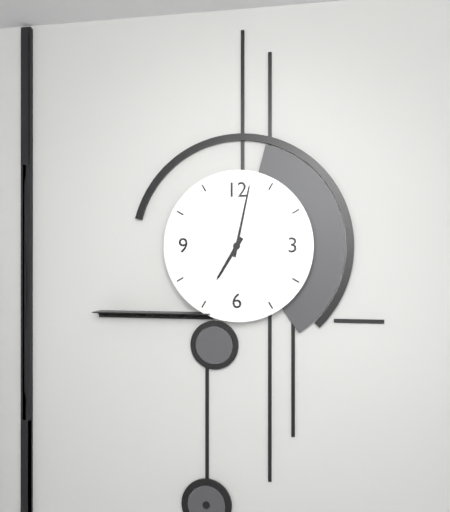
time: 7:02
